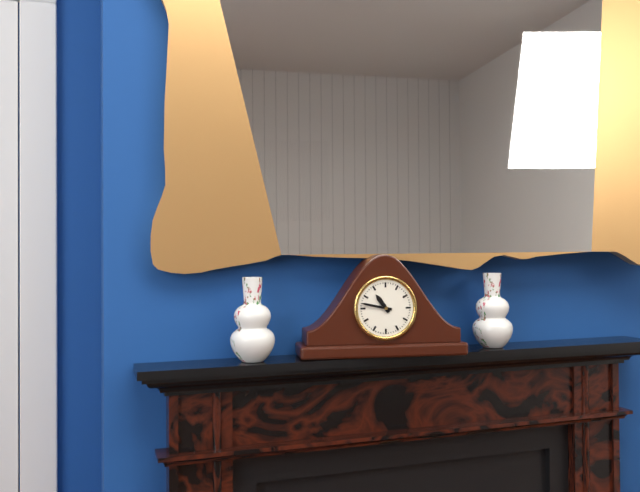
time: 10:47
